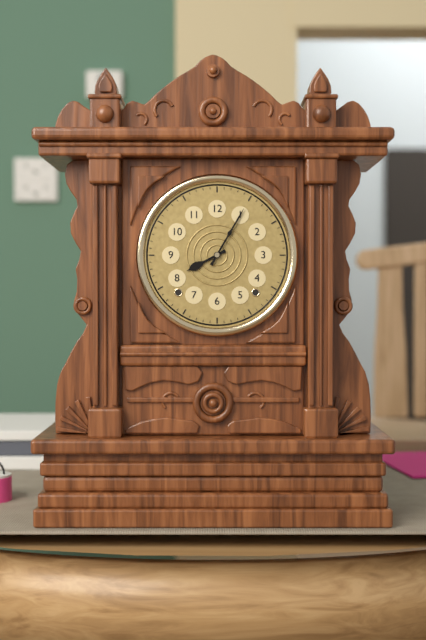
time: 8:05
